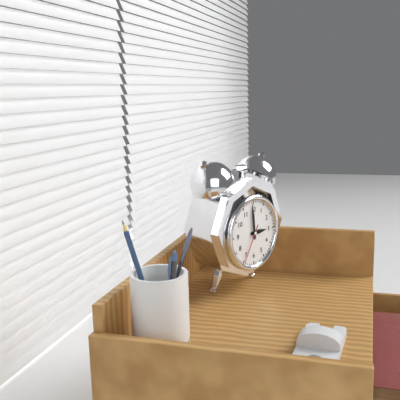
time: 2:59
